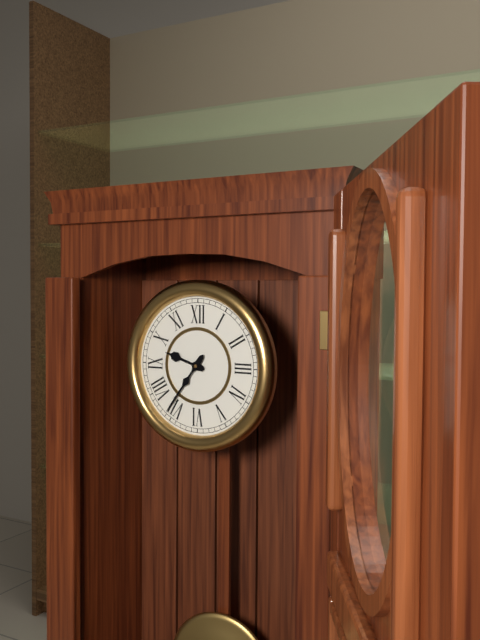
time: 9:36
